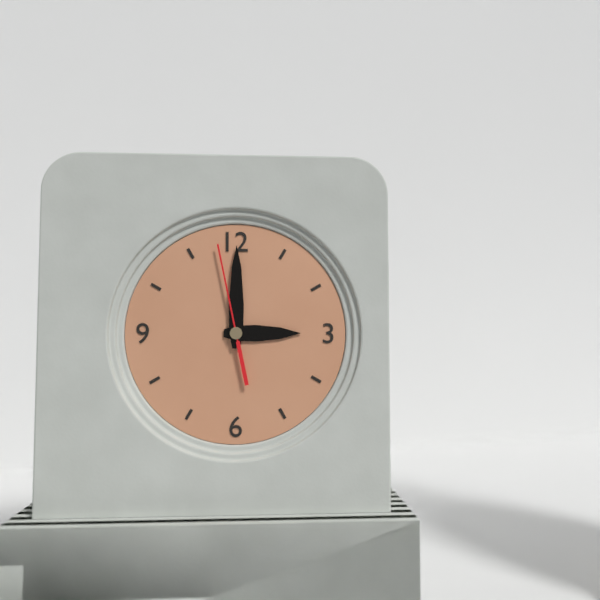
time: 3:00:58
